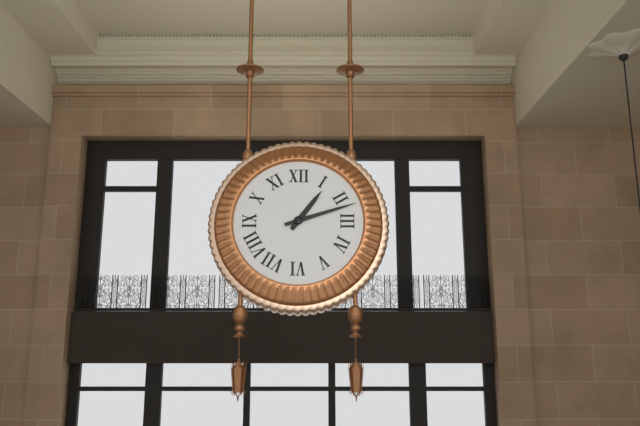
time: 1:12
